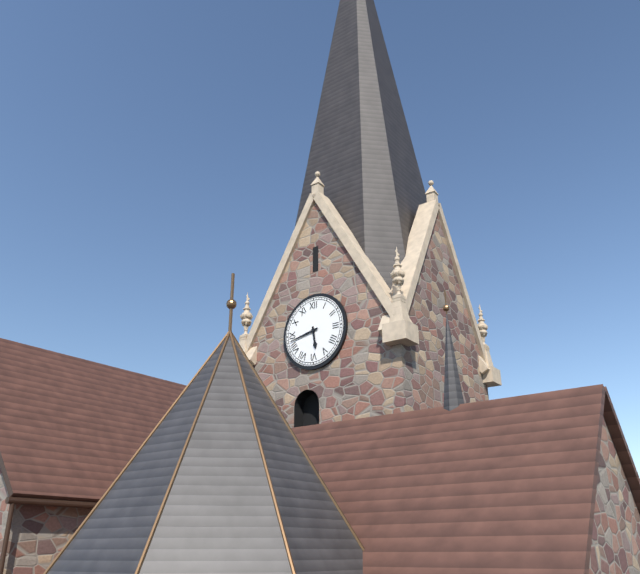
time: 5:43
